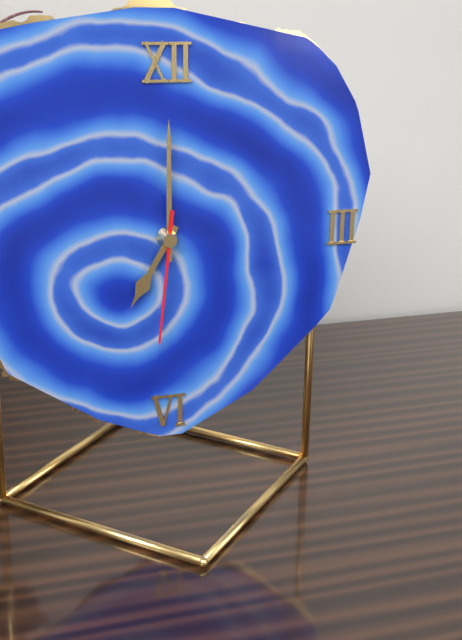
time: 7:00:31
